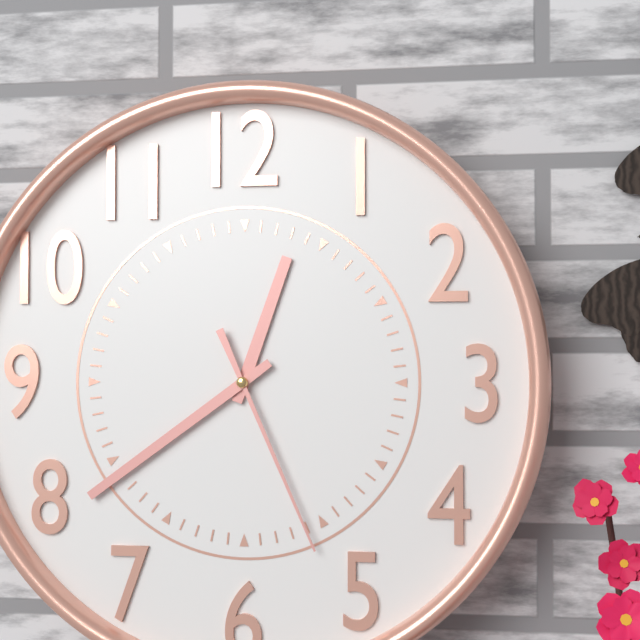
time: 12:39:26
